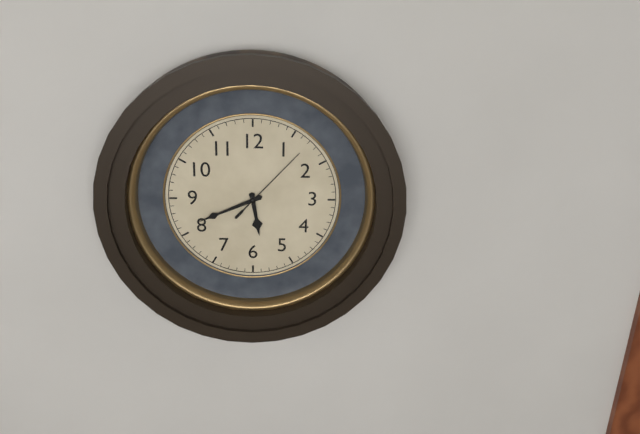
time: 5:41:07
